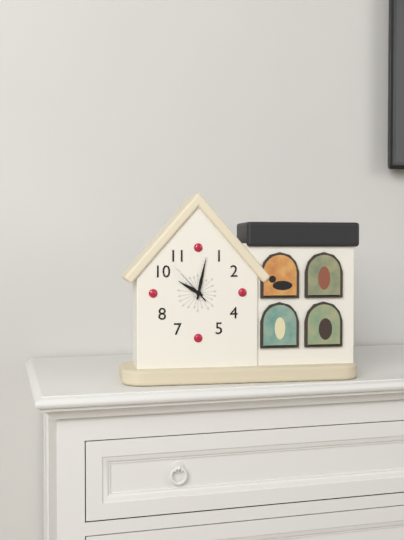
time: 10:02
